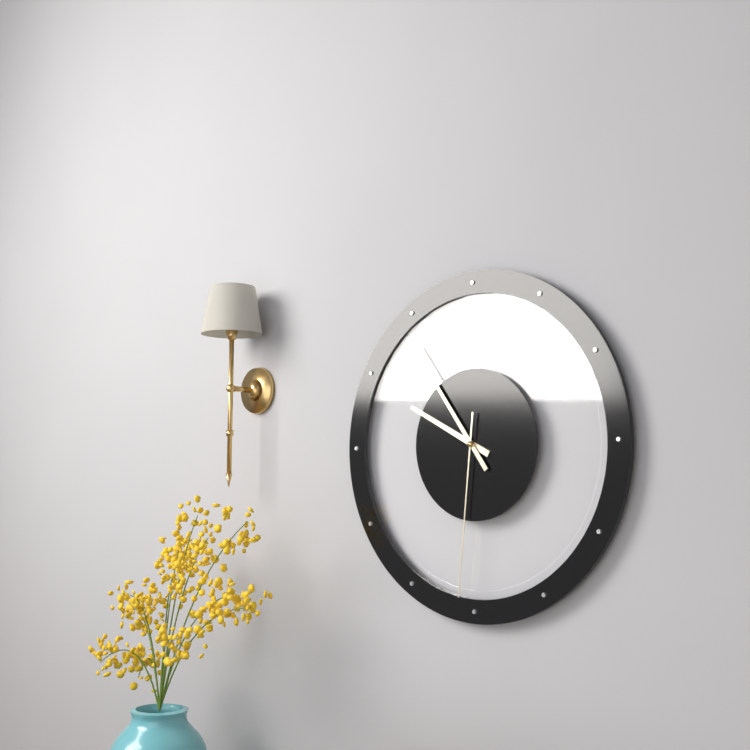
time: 9:54:31
